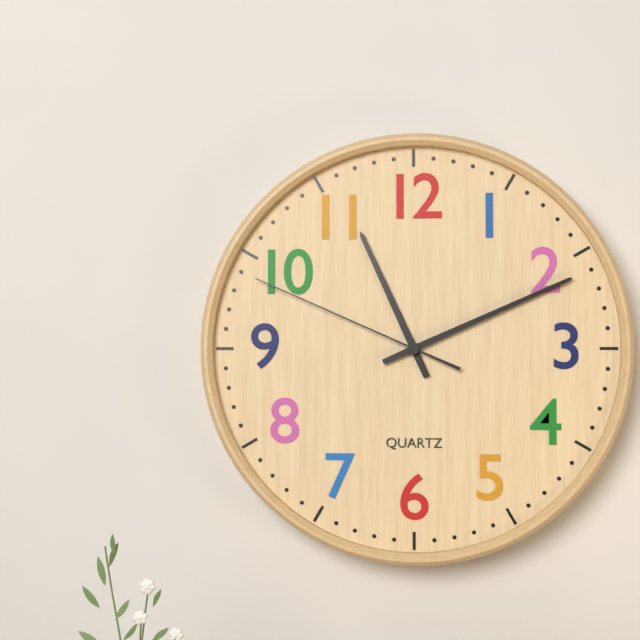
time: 11:11:49
